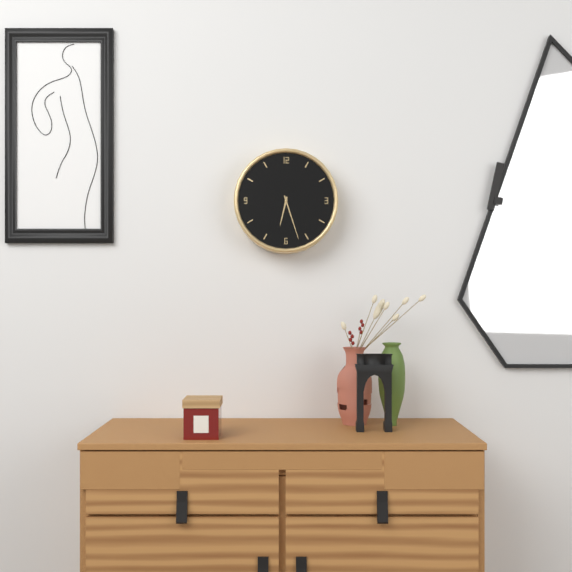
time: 6:27
